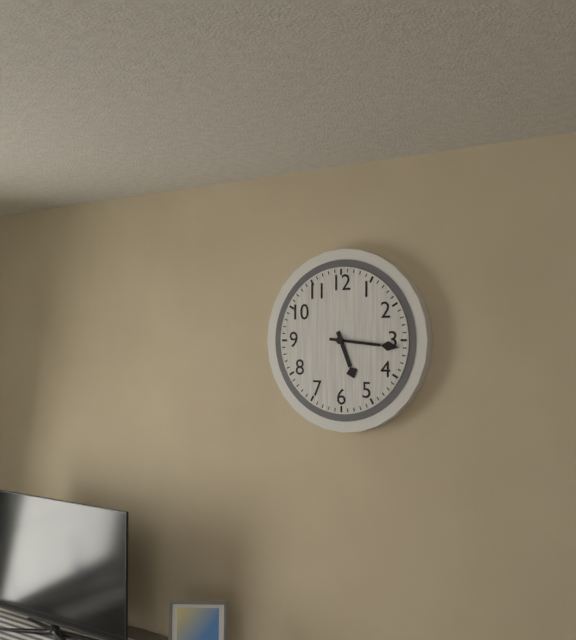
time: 5:16
